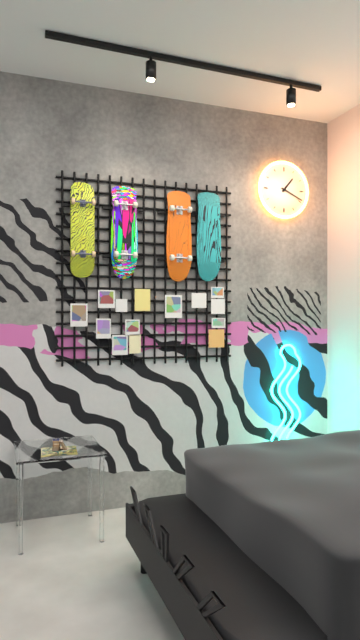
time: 1:19
